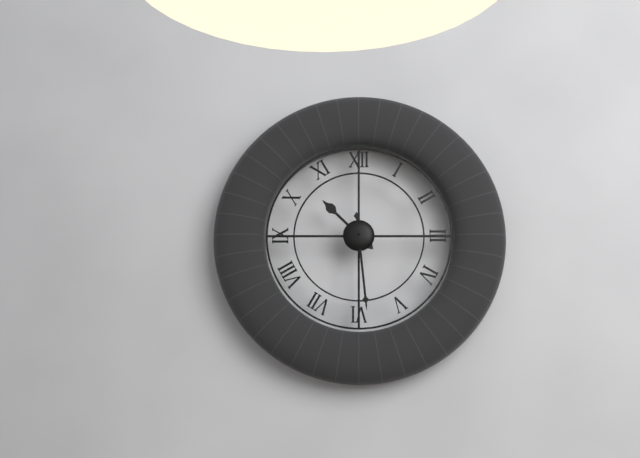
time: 10:29
